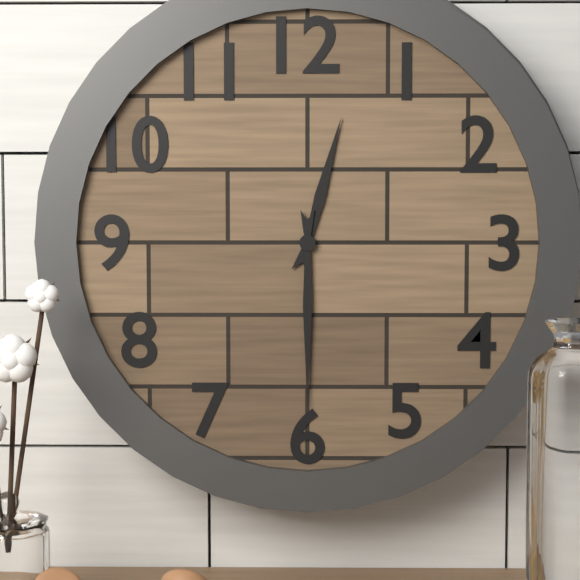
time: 12:30
